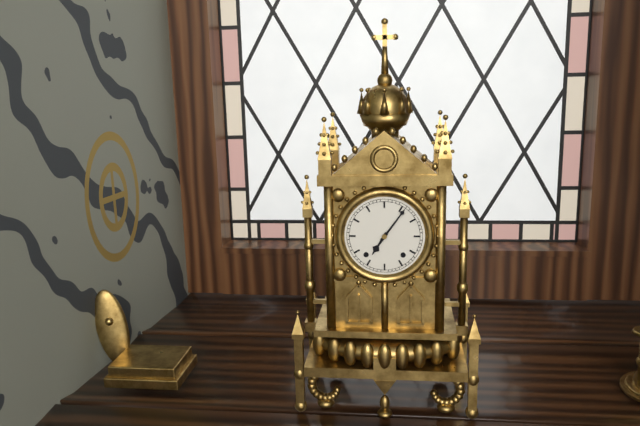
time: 7:06
